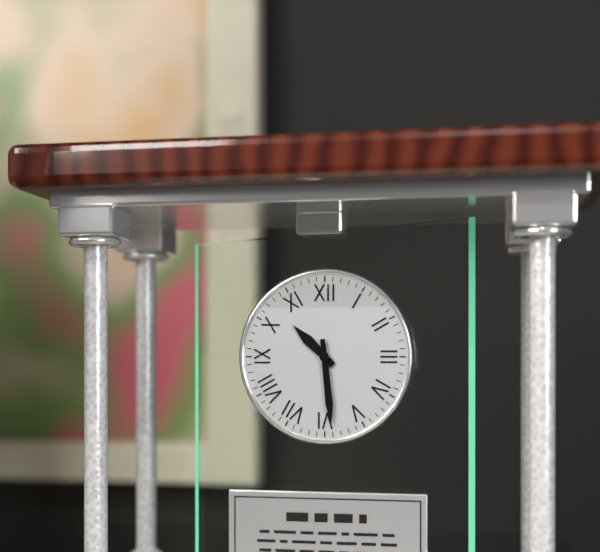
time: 10:29
